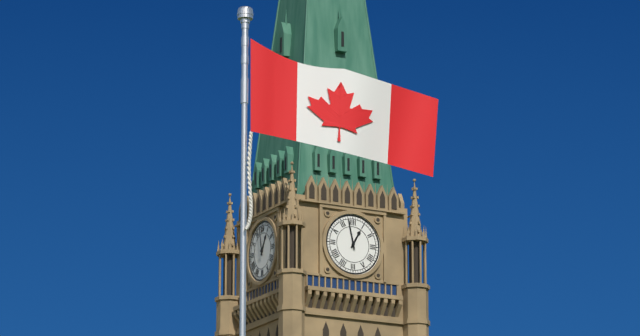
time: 12:58
